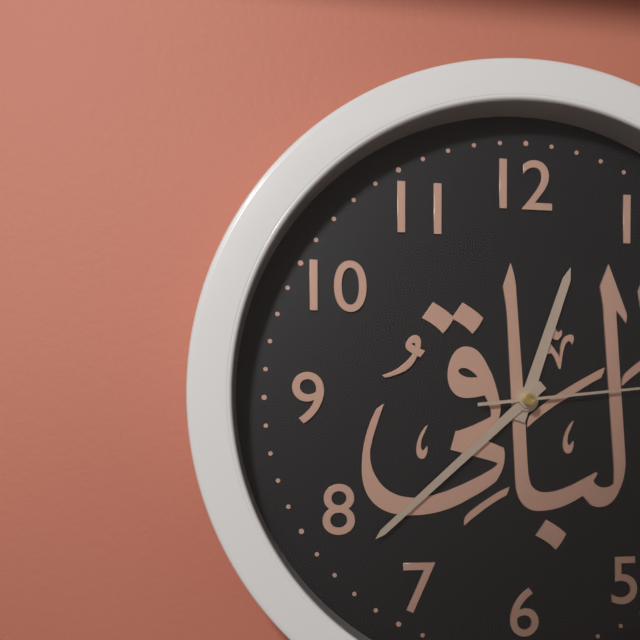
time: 12:38
